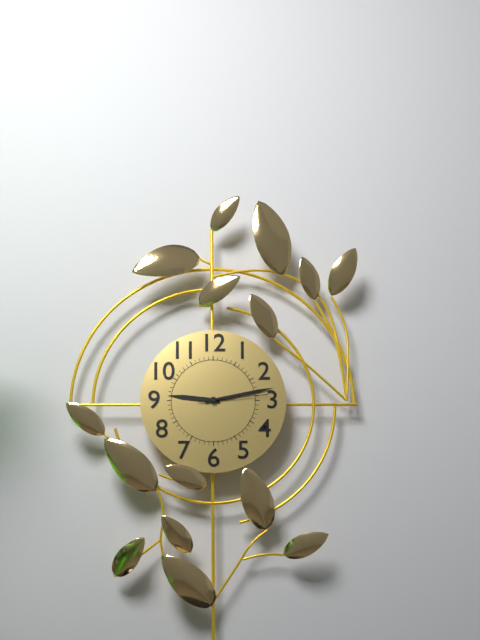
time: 9:13:14
